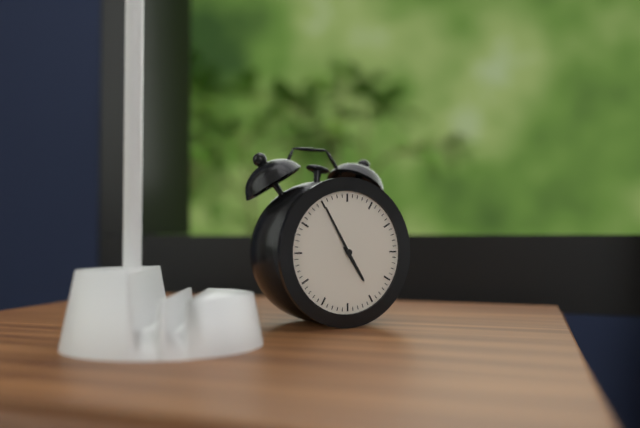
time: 4:55
